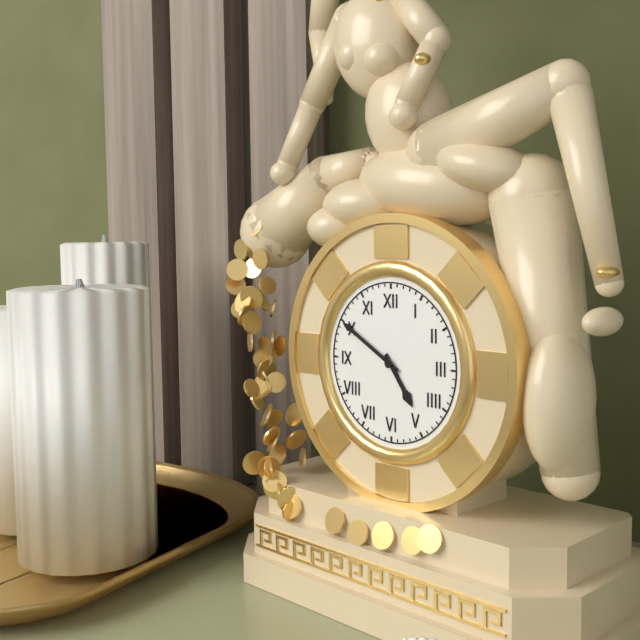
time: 4:50
